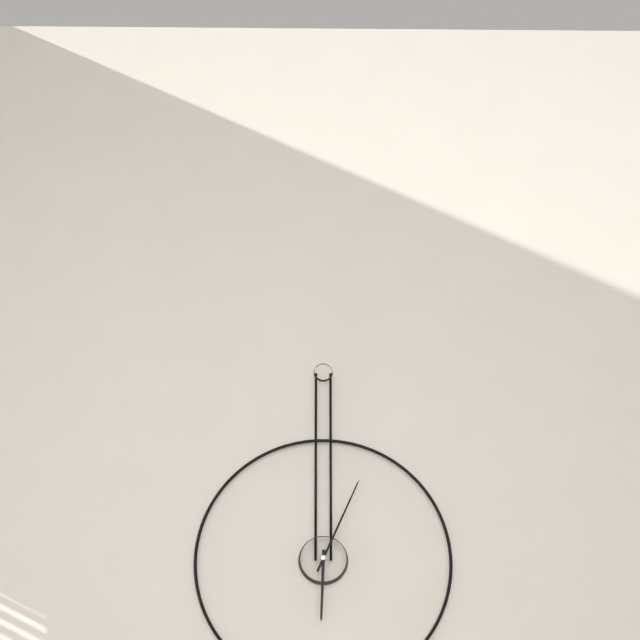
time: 6:04
